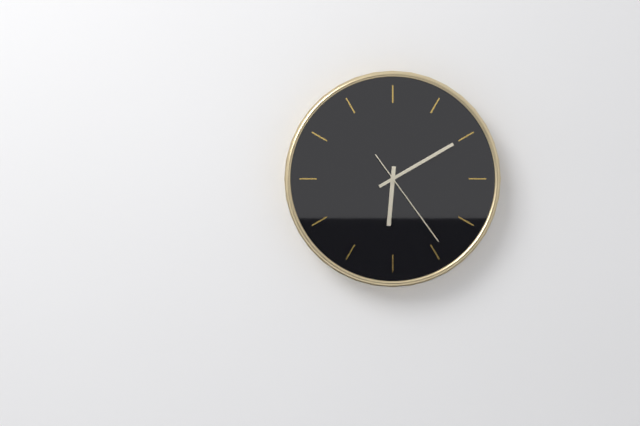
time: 6:10:24
